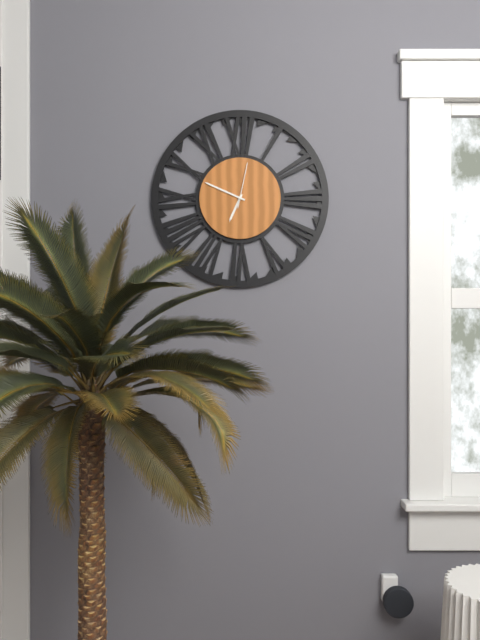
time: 6:49
